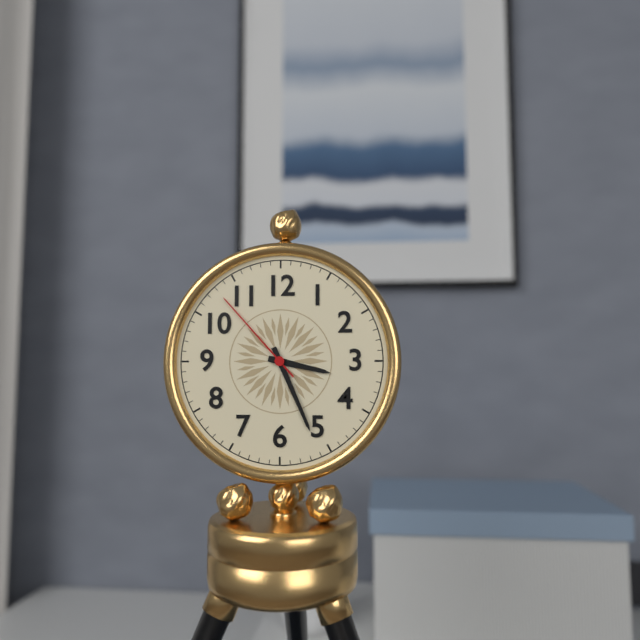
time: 3:26:53
